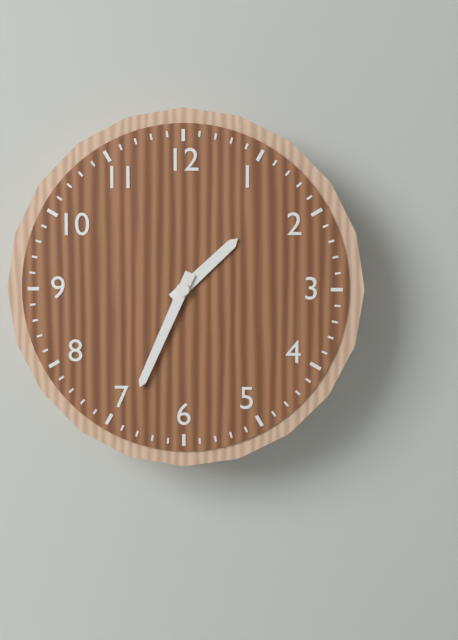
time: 1:34
